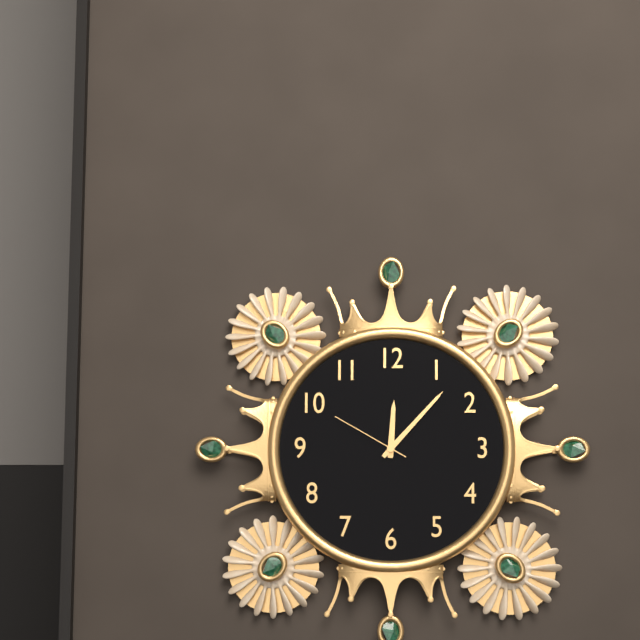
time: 12:07:50
